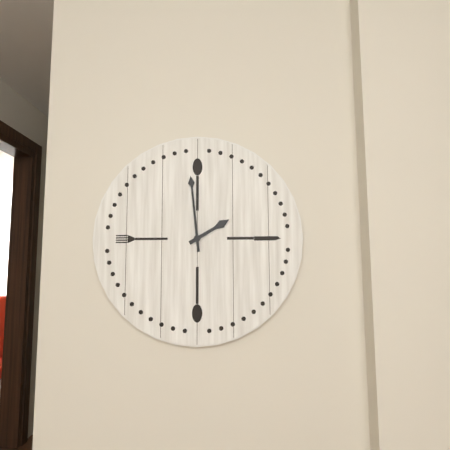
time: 1:59
